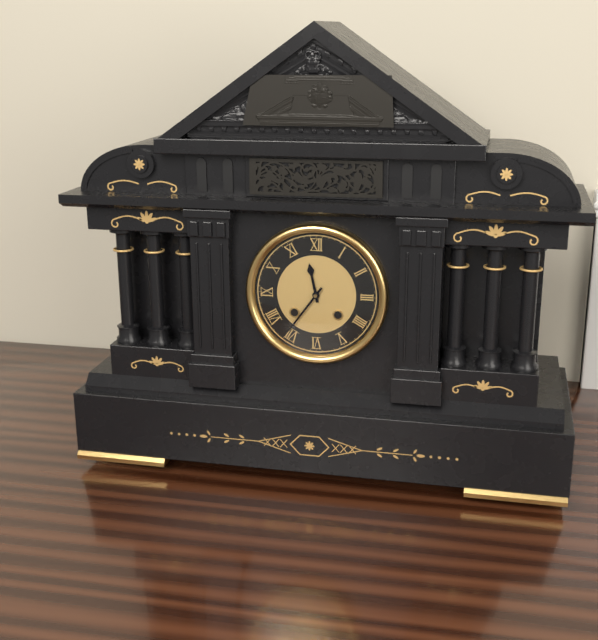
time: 11:36
